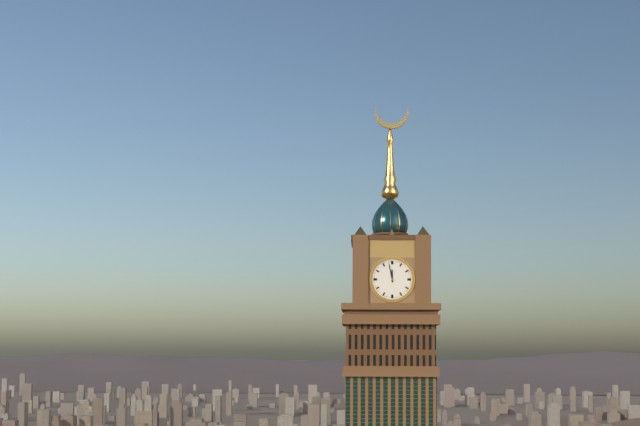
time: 11:58
